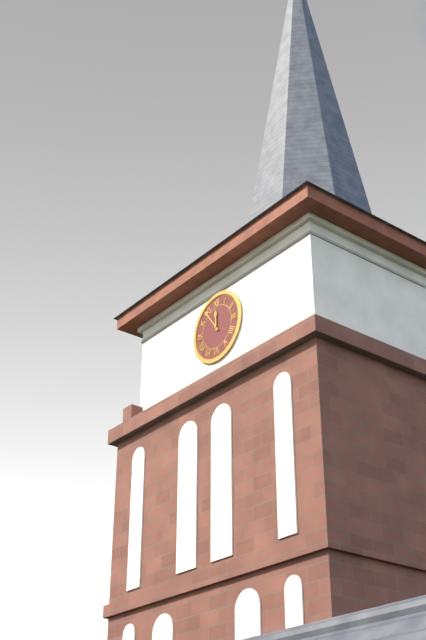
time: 11:54
